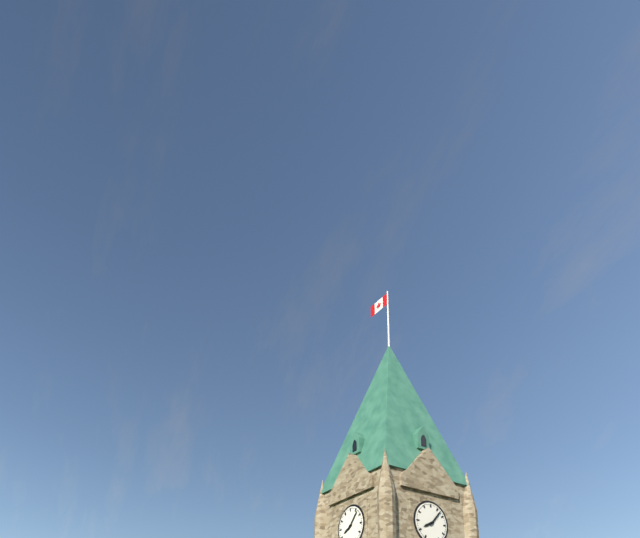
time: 8:07
